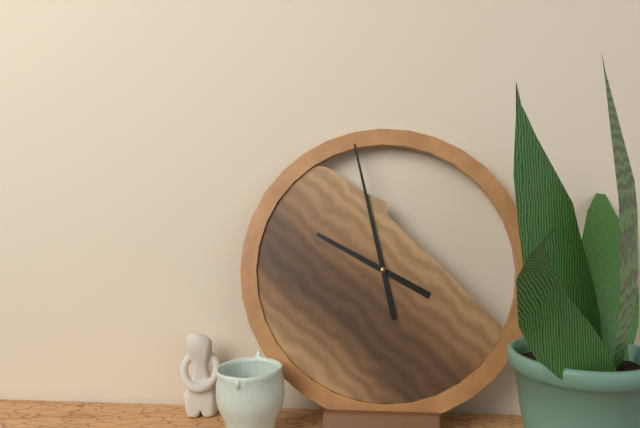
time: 9:58
